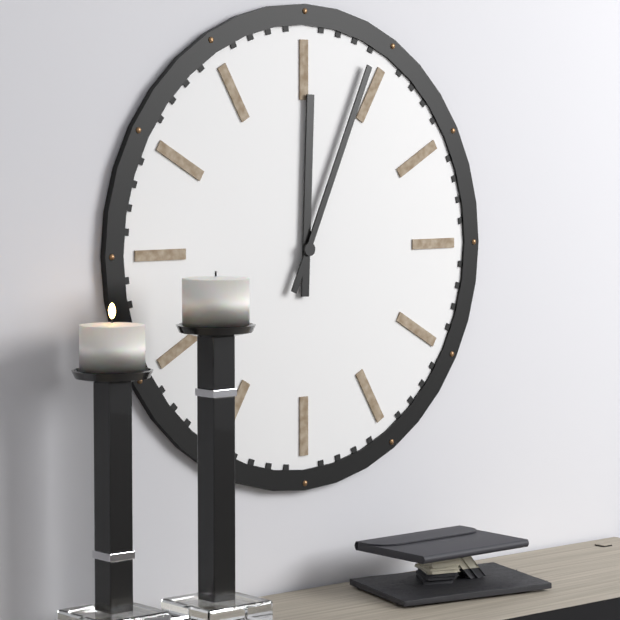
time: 12:04
